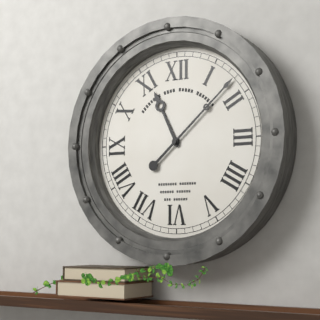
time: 11:08
